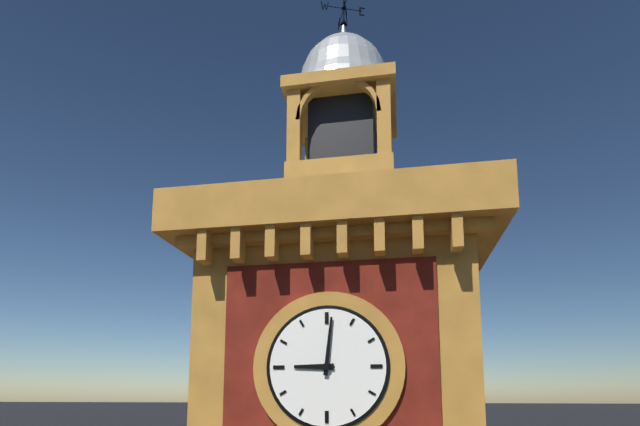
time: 9:01
